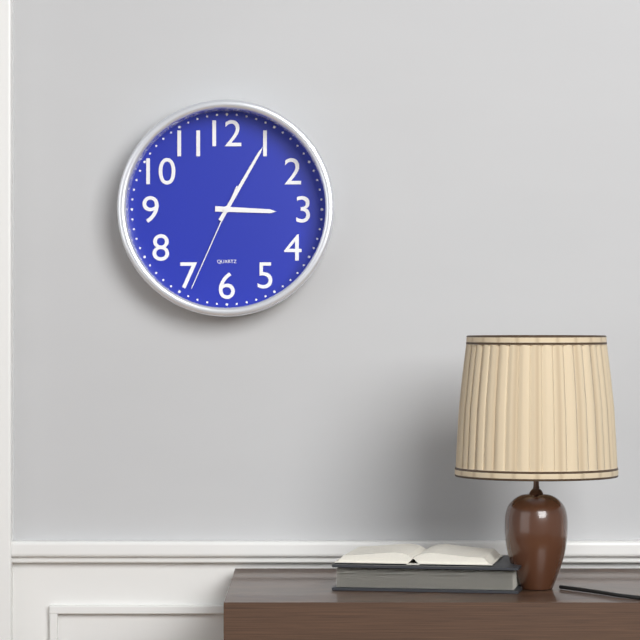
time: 3:05:34
